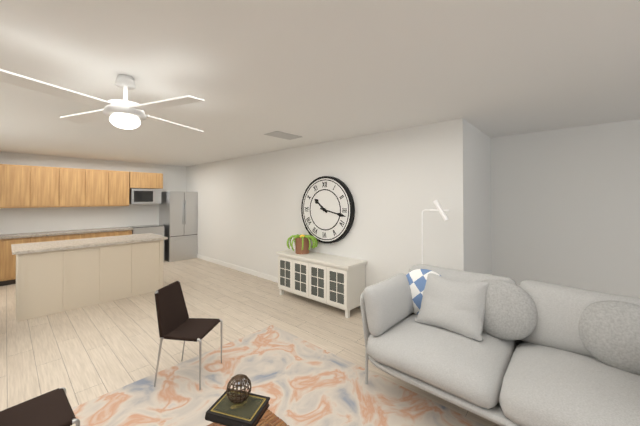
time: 10:17
